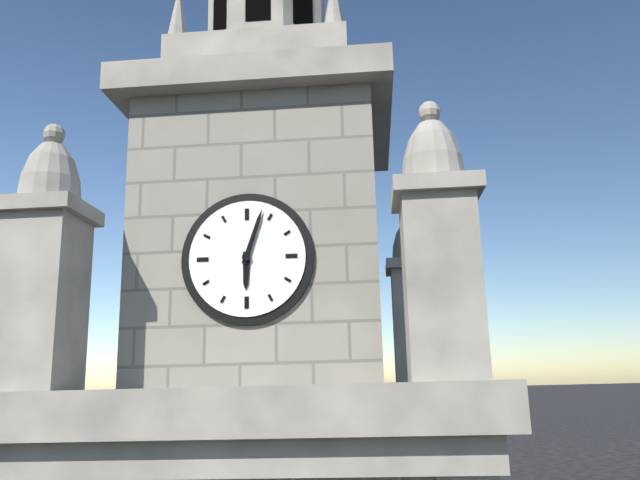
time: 6:03
